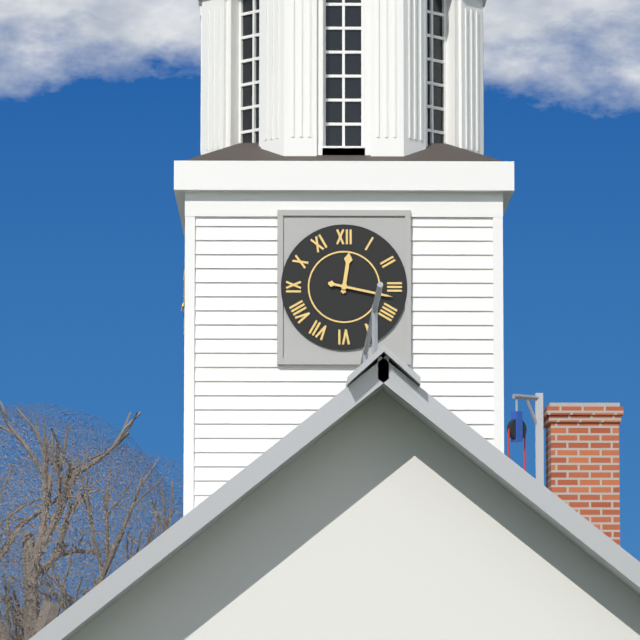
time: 12:17
